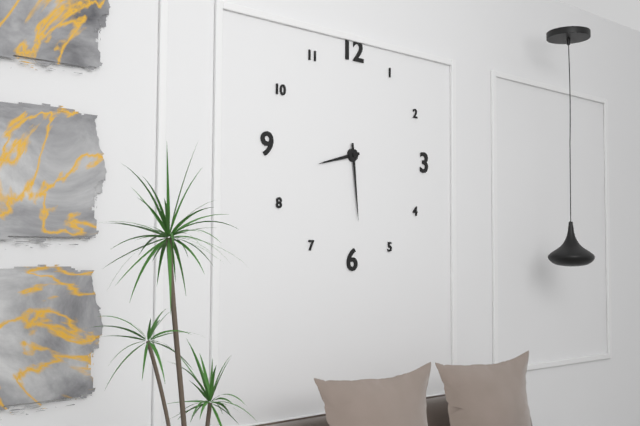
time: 8:29
